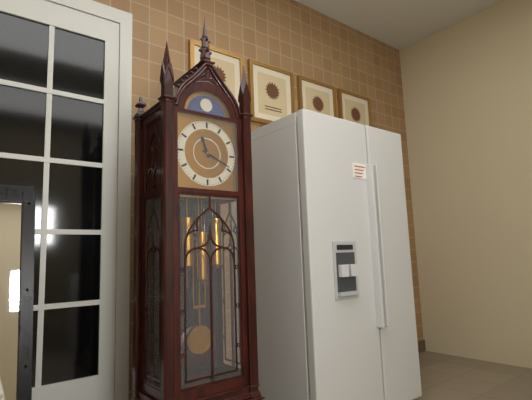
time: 11:19
